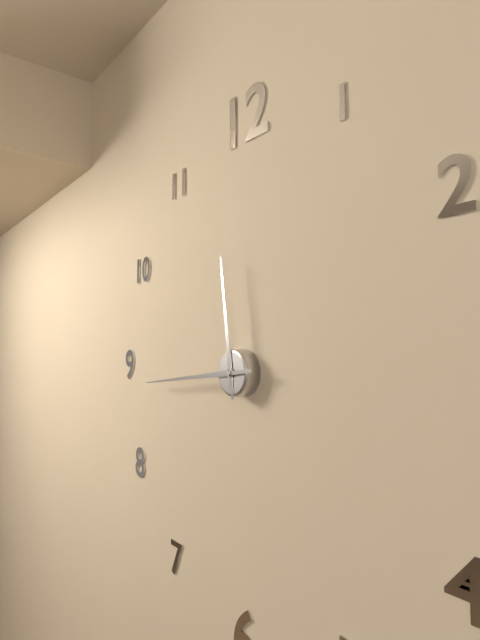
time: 11:44
